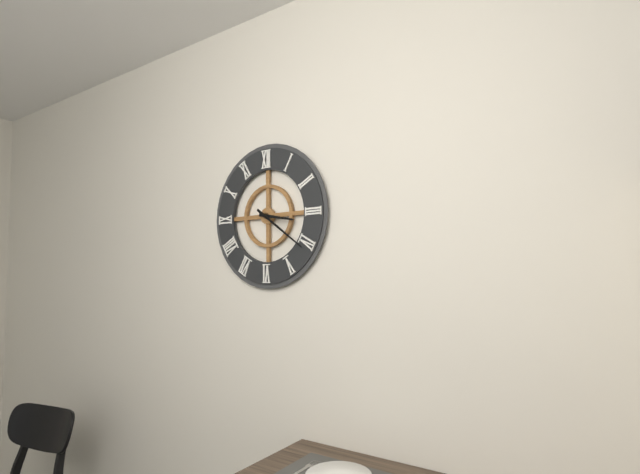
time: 3:21
